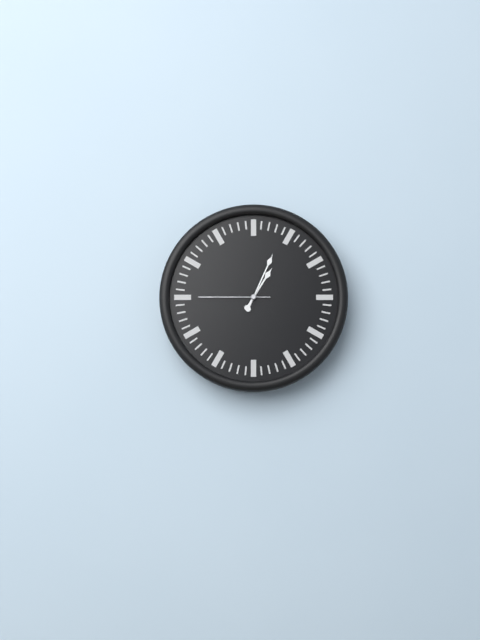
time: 1:04:45
